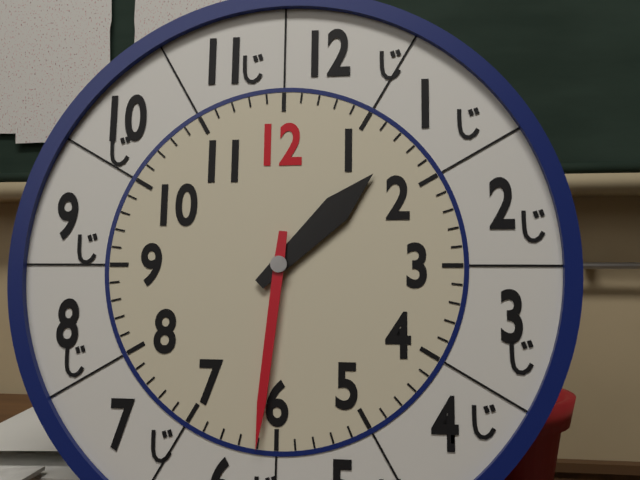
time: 1:31
